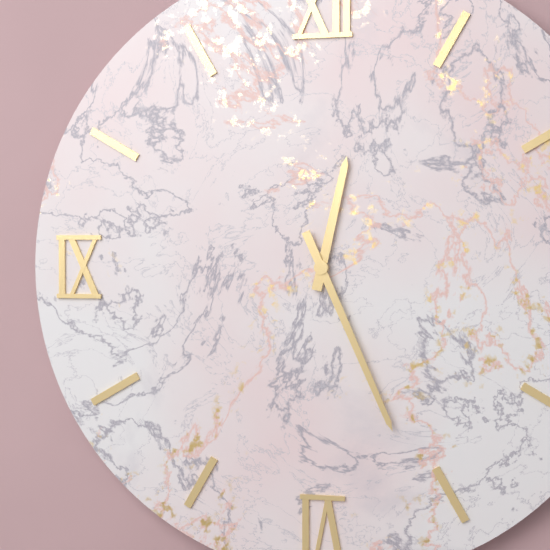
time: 12:26
